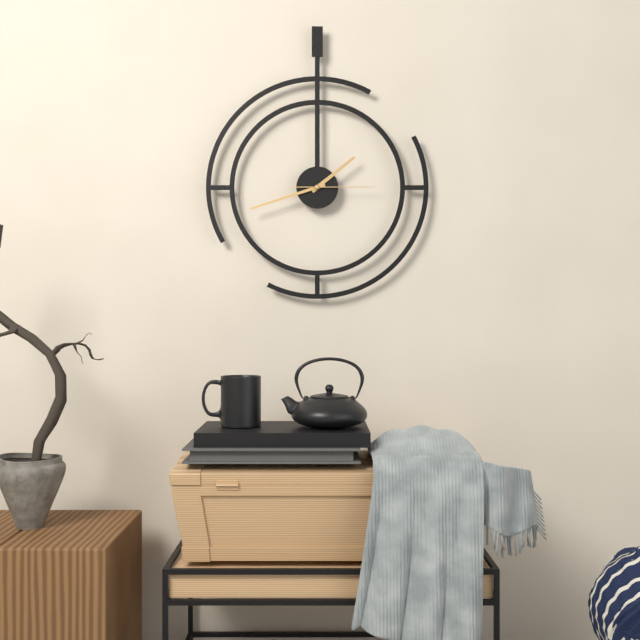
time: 1:42:15
